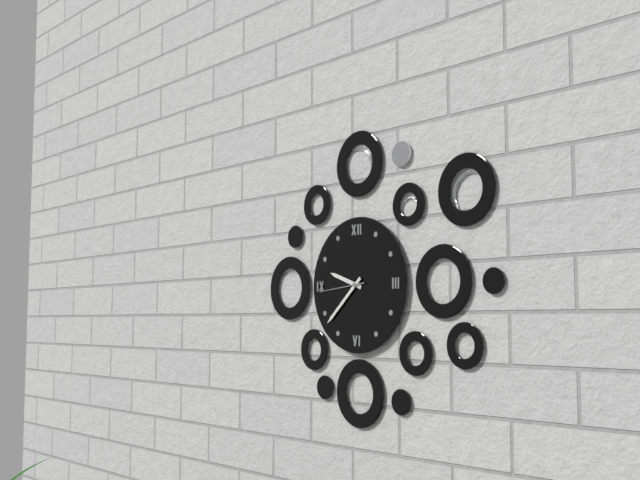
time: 9:38:44
